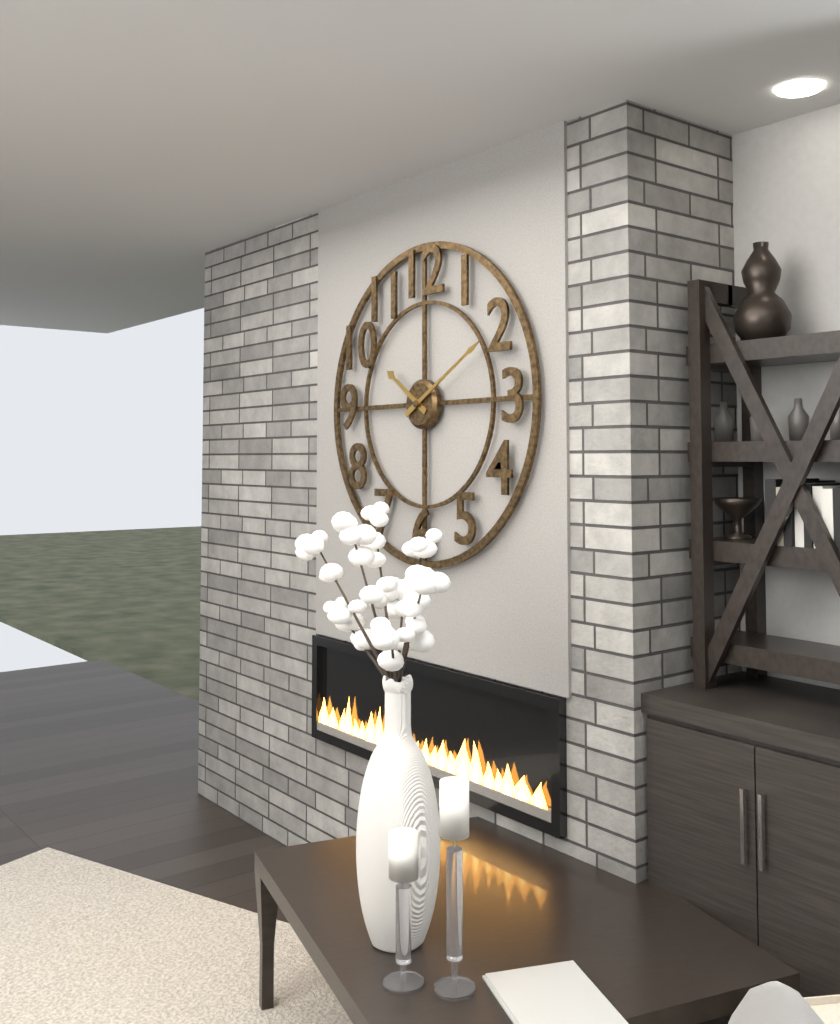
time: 10:10
